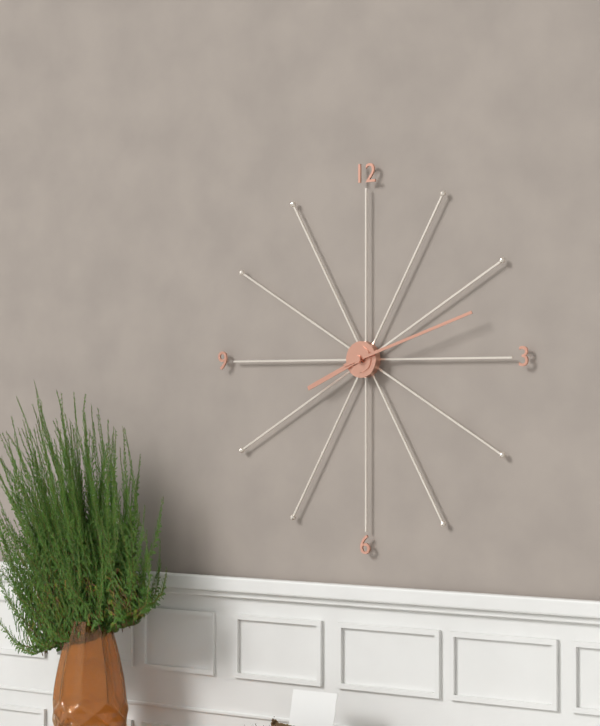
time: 8:12
